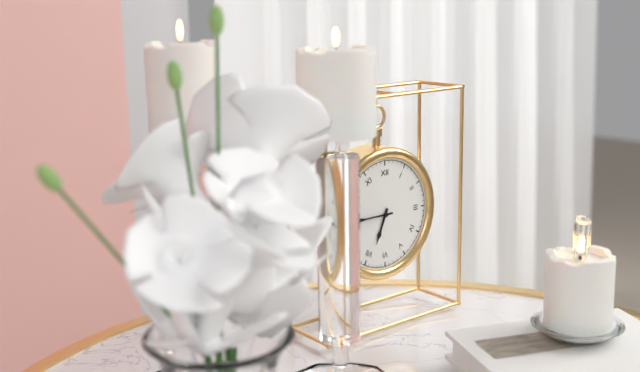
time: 6:45
